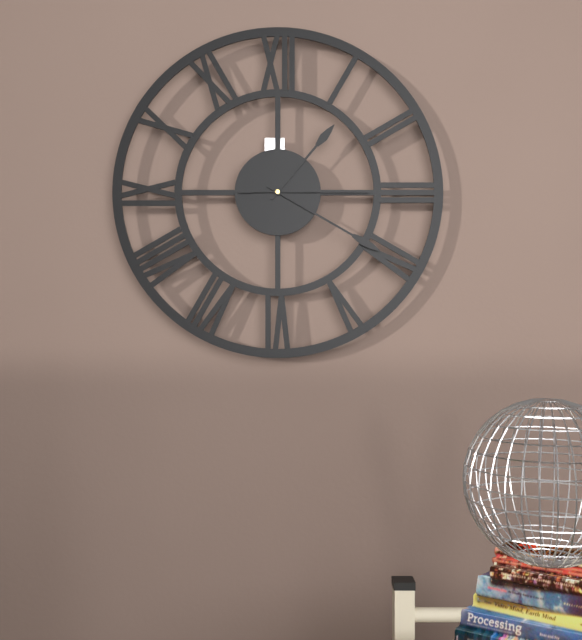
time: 1:20:15
